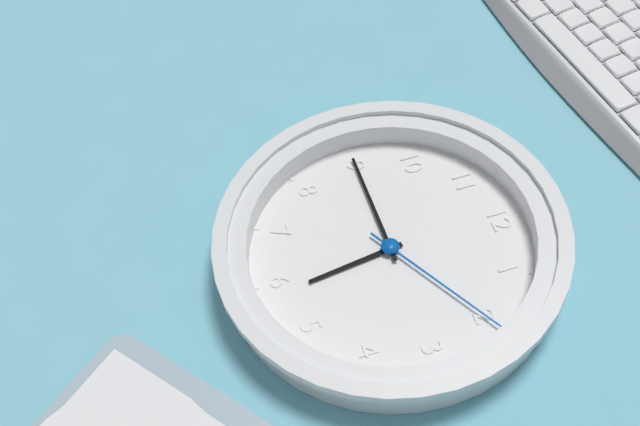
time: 5:45:10
